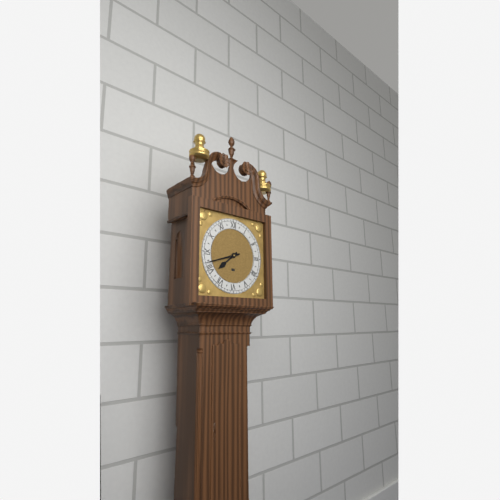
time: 7:42
